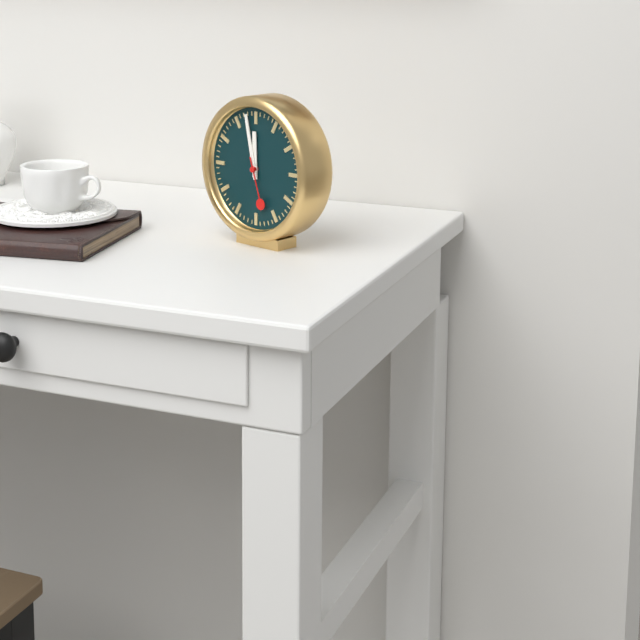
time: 11:58:27
